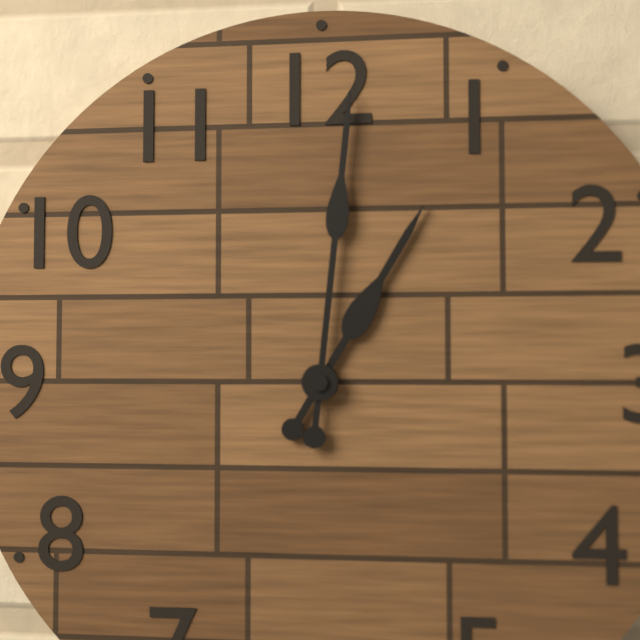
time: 1:01
